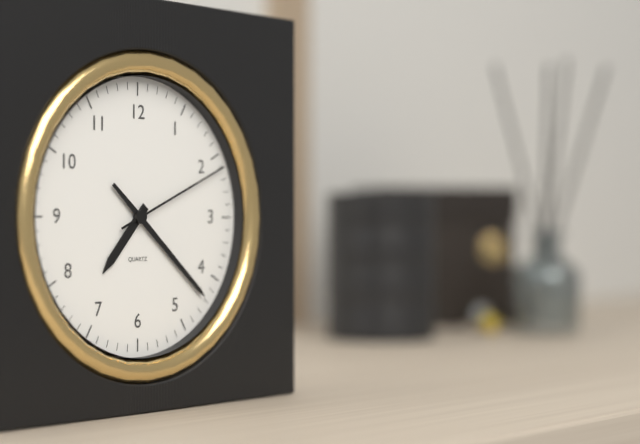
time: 7:22:11
